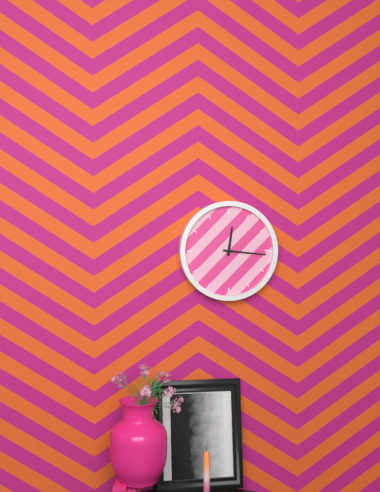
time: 12:16
